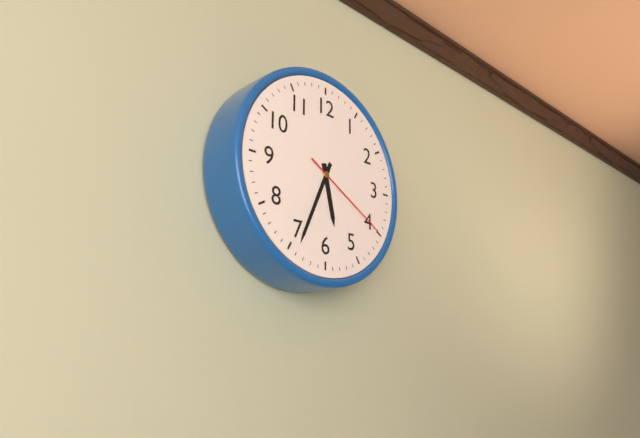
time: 5:34:20
